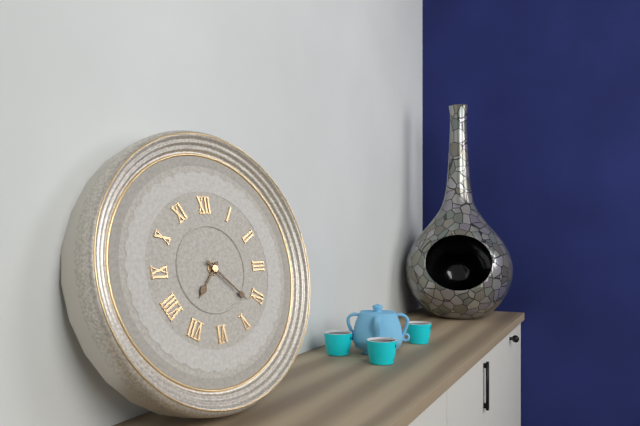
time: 7:22
